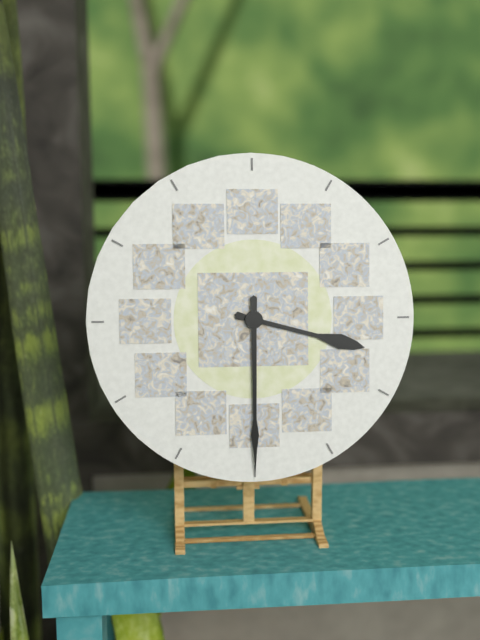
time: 3:30
